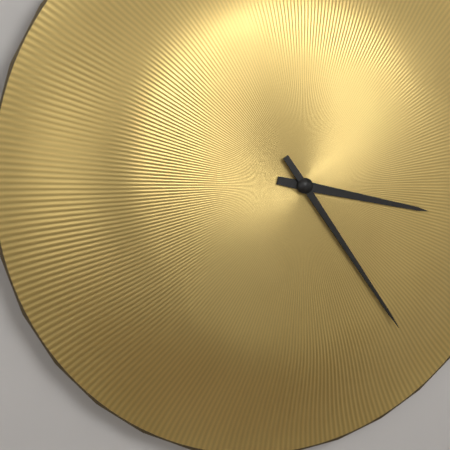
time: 3:24
